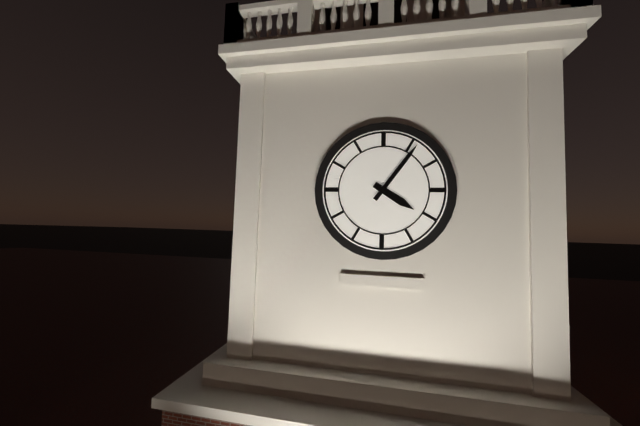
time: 4:06
